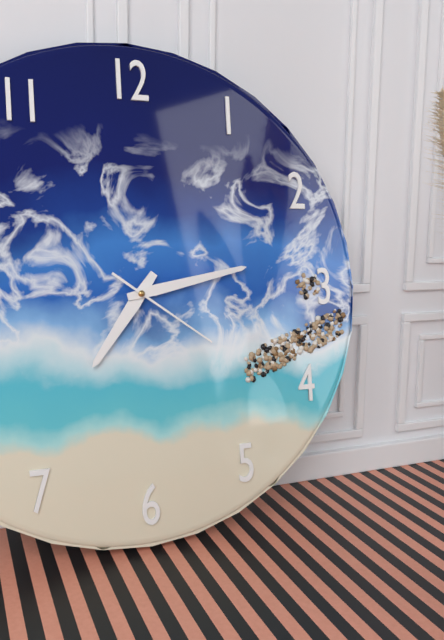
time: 7:13:21
